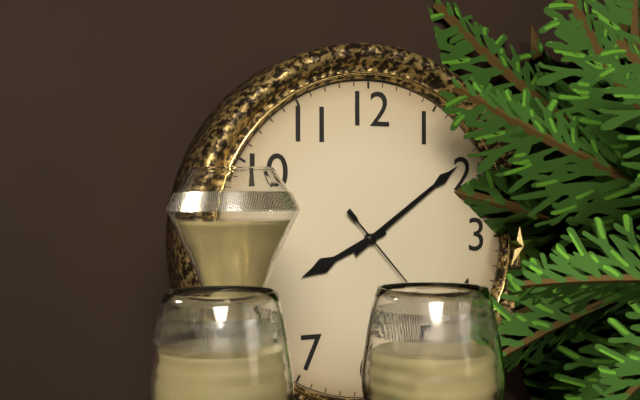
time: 8:09
